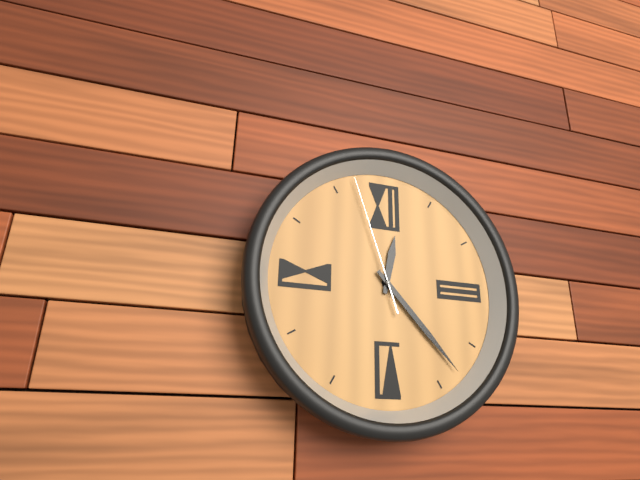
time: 12:23:57
